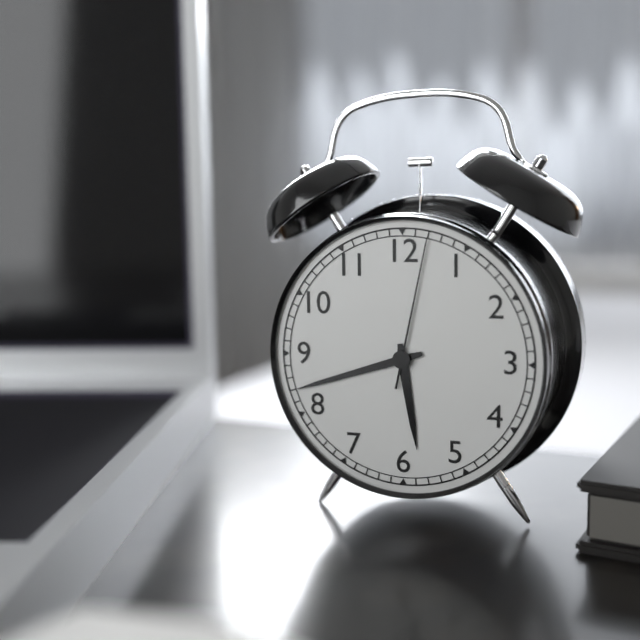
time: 5:42:02
